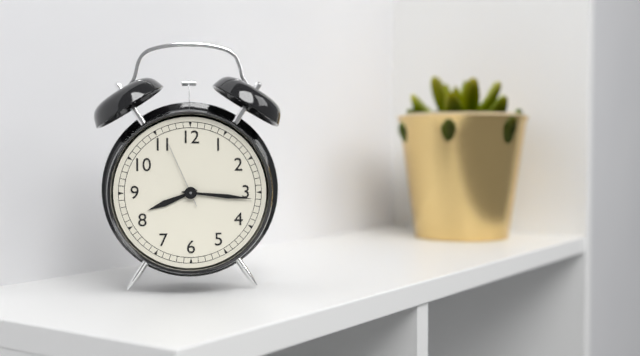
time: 8:16:56
